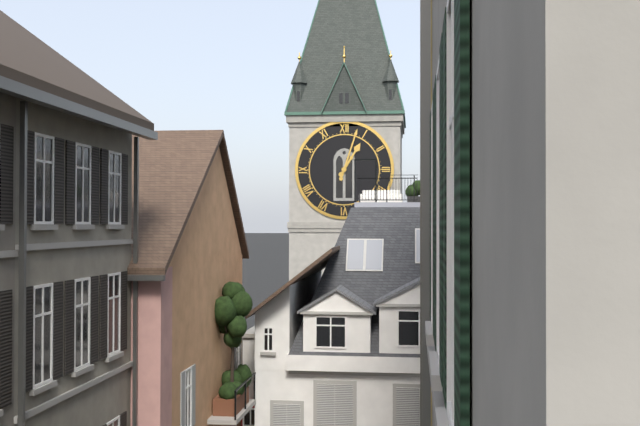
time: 1:03
